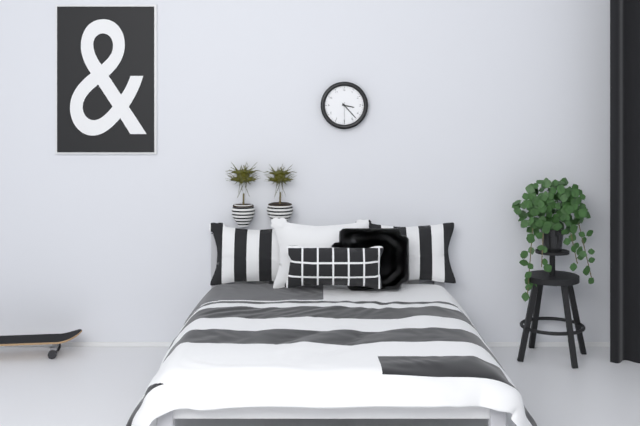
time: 3:23
